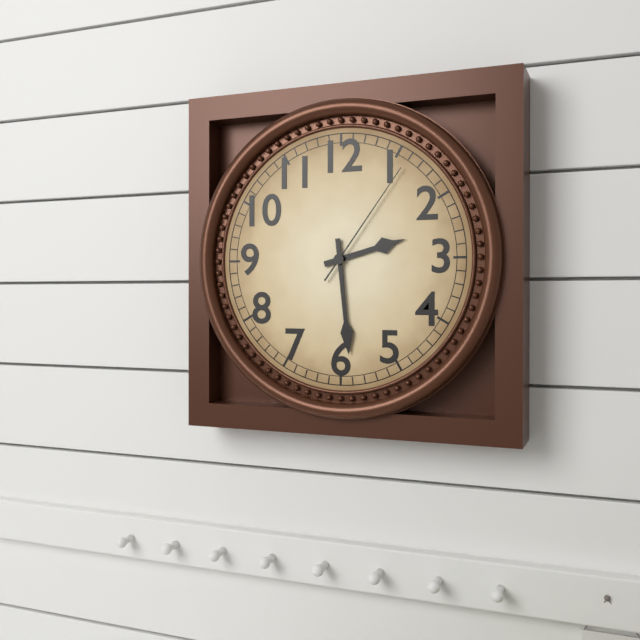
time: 2:29:06
